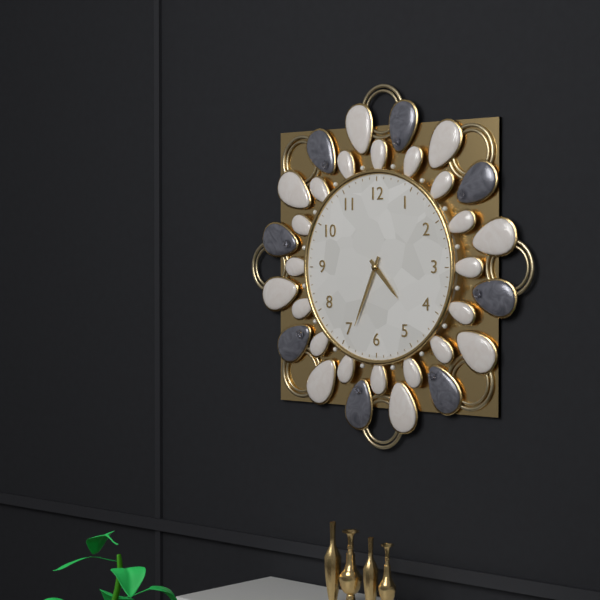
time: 4:34
